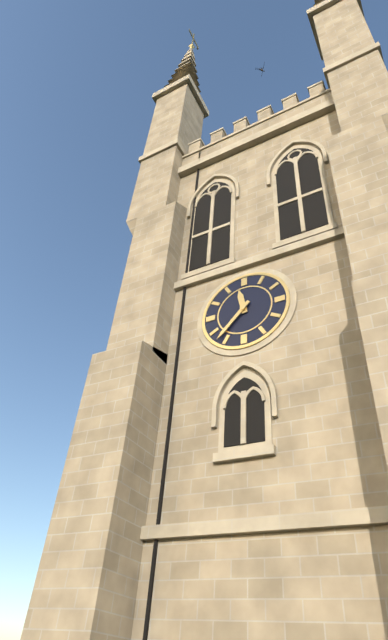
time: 11:37
